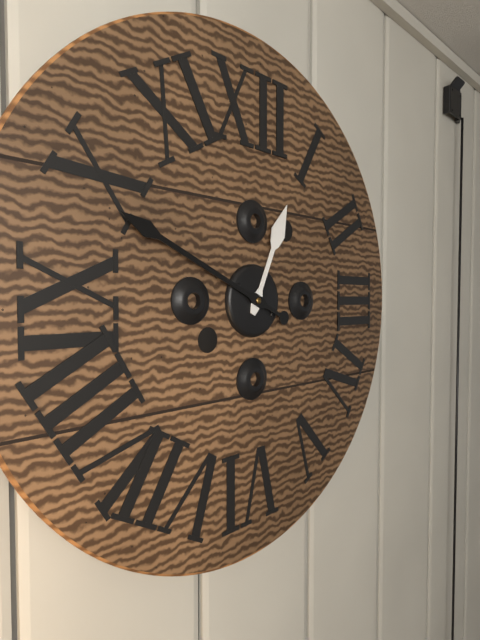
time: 12:49
